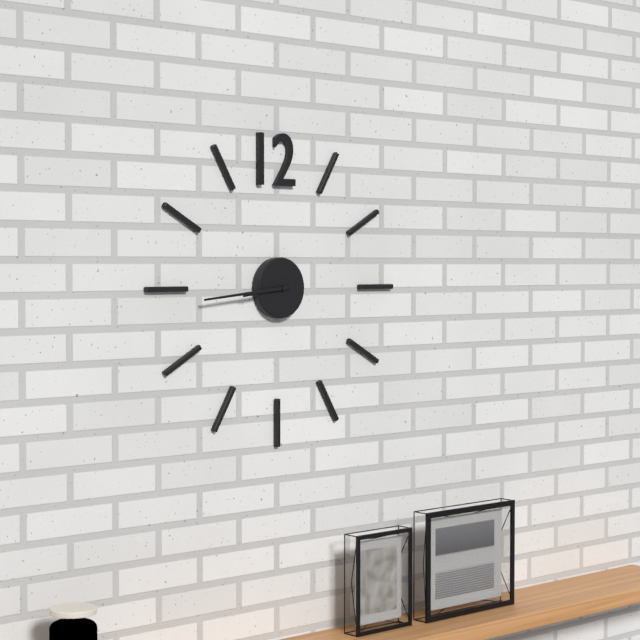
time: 8:44
